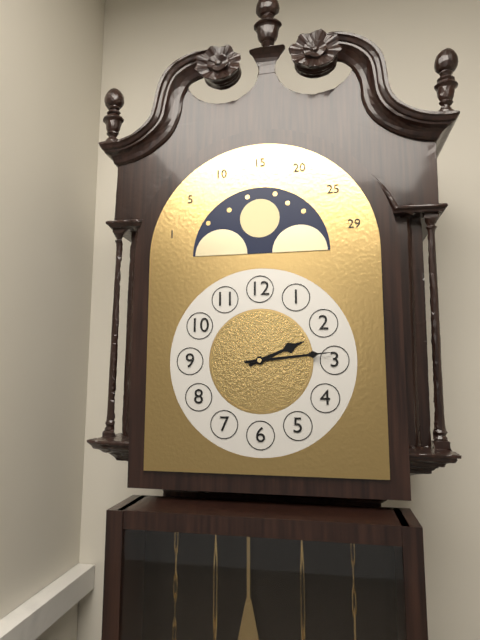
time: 2:14
